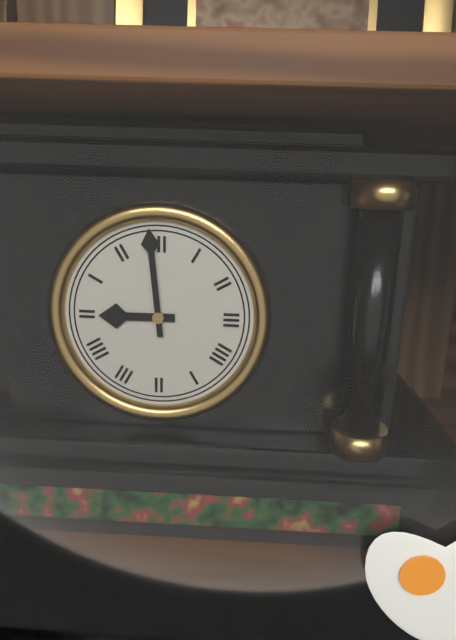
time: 8:59
